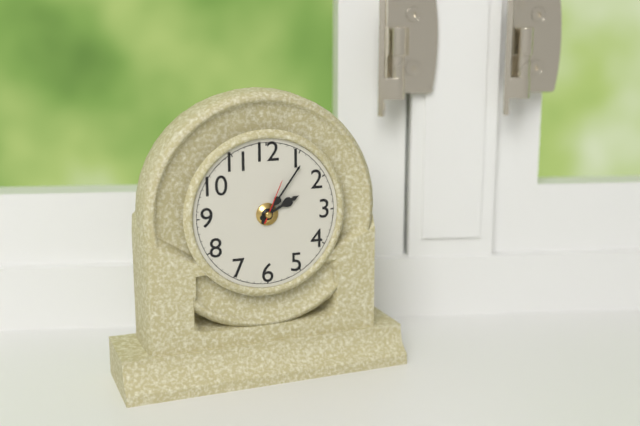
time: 2:06
